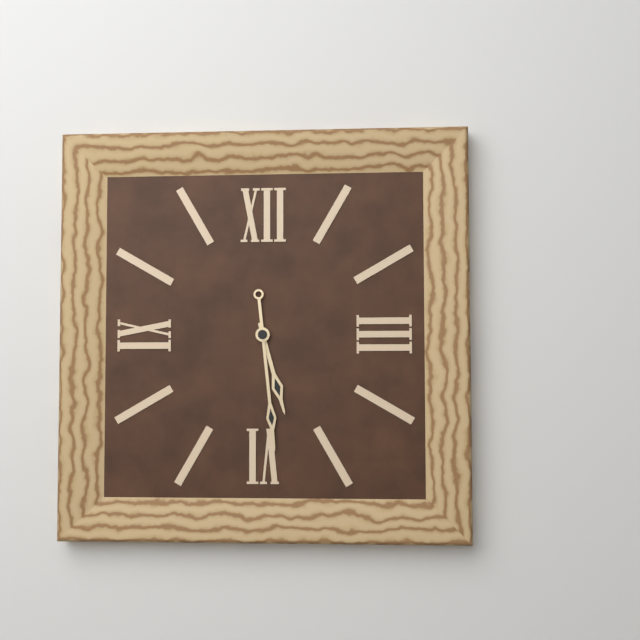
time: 5:29
